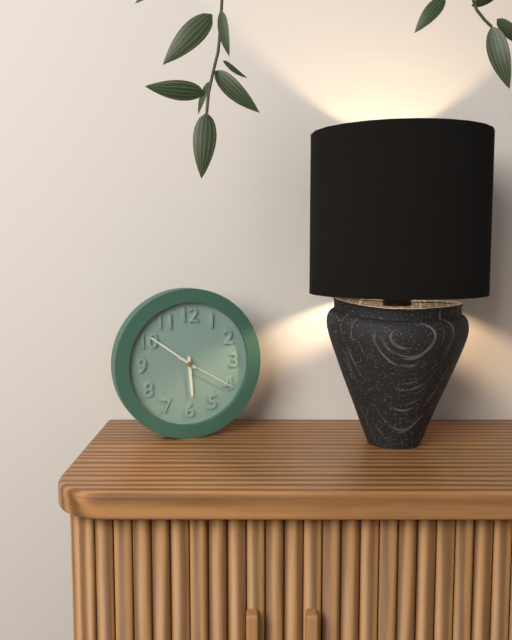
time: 5:51:20
